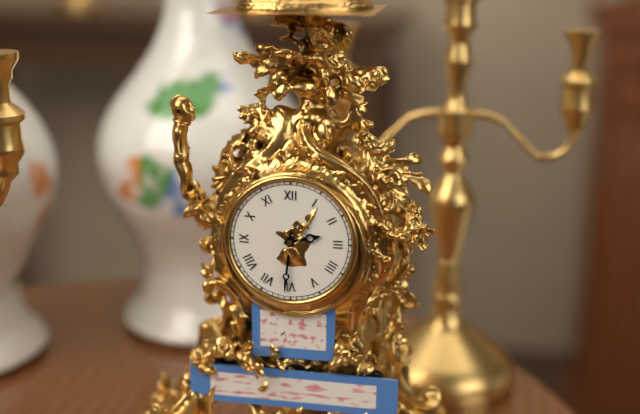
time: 2:31
